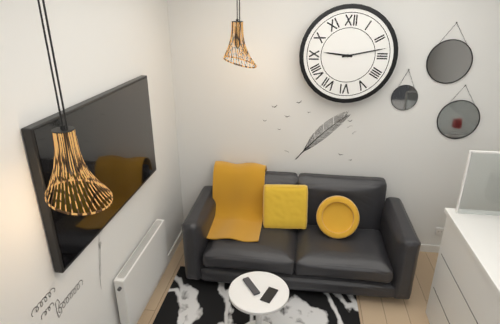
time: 9:13
